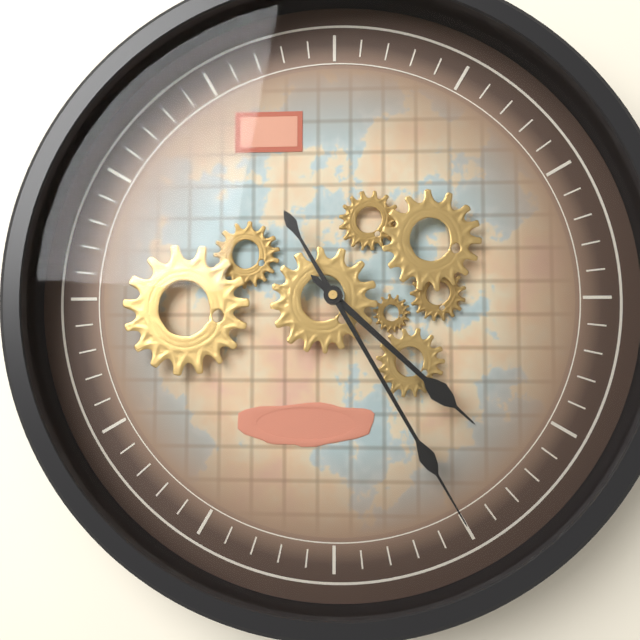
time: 4:25
